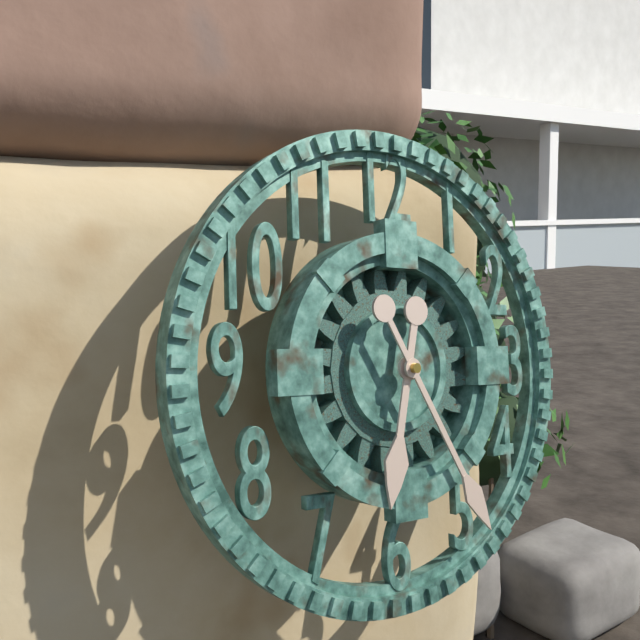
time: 6:25
